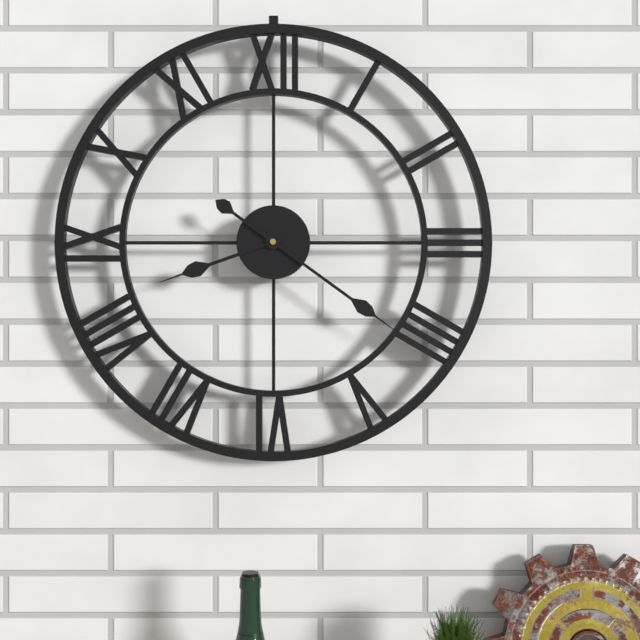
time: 8:21
